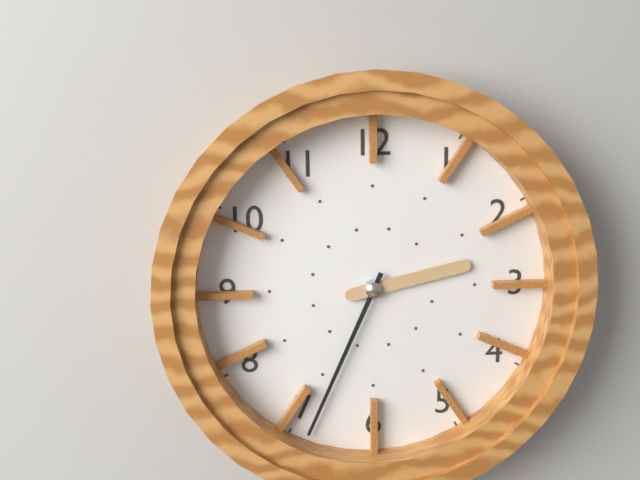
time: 2:34
